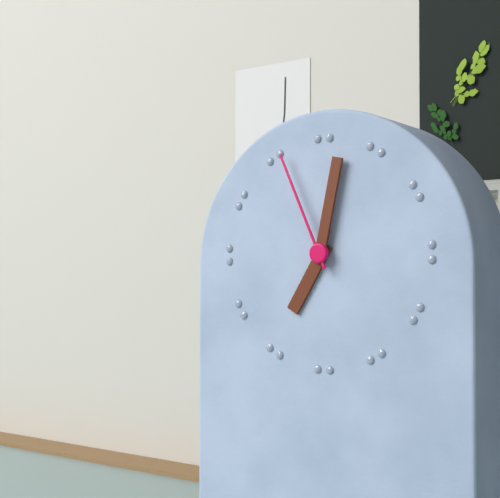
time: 7:02:56
